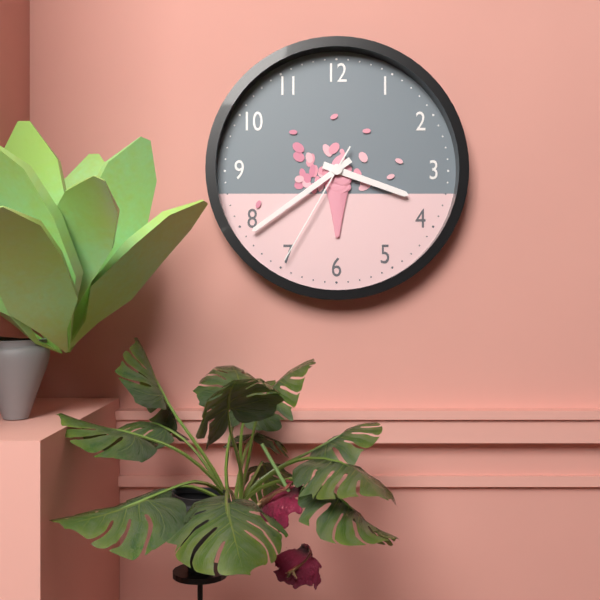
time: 3:39:35
